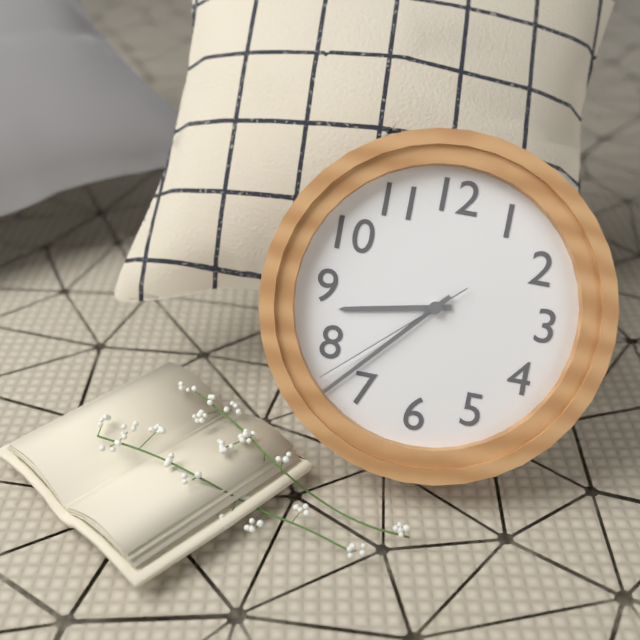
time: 8:37:38
